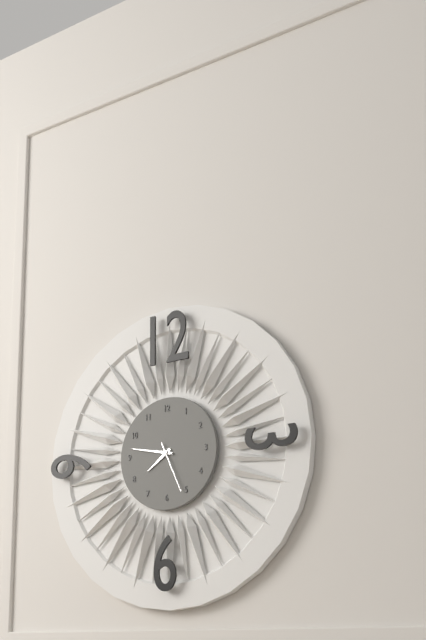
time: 7:47
